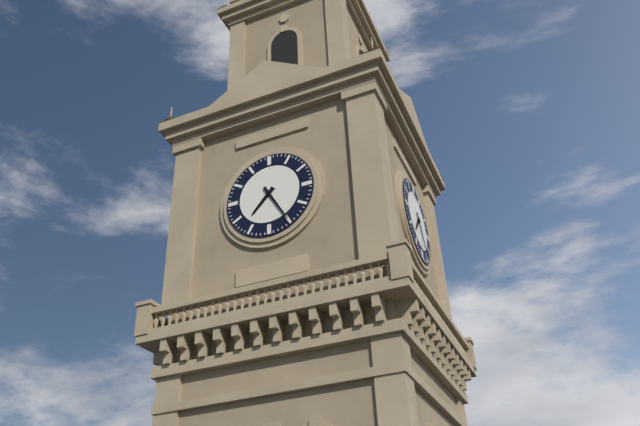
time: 7:25
